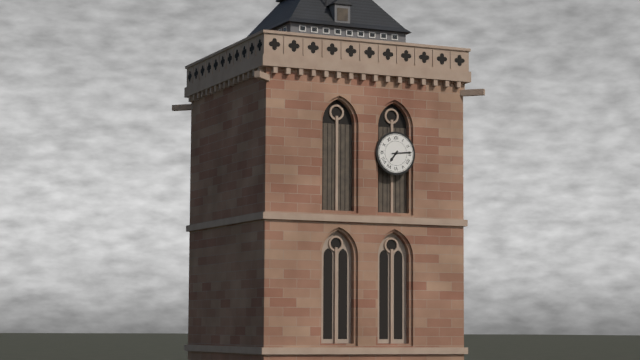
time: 7:14
